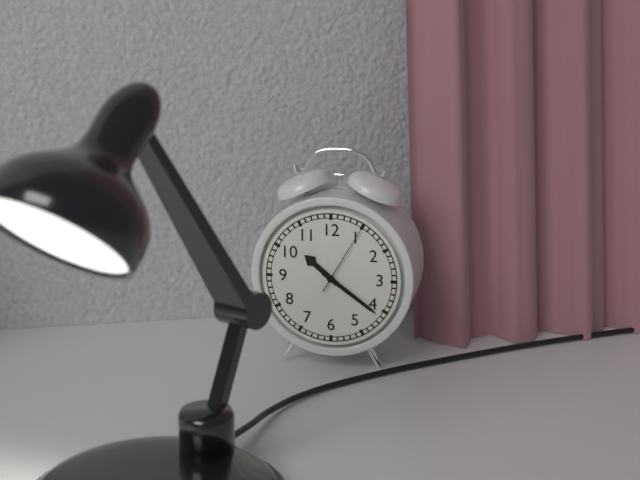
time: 10:21:05
